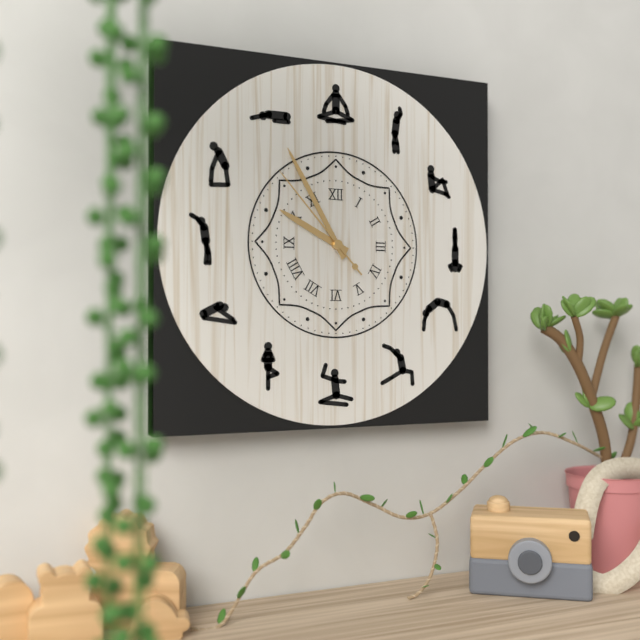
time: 9:55:53
